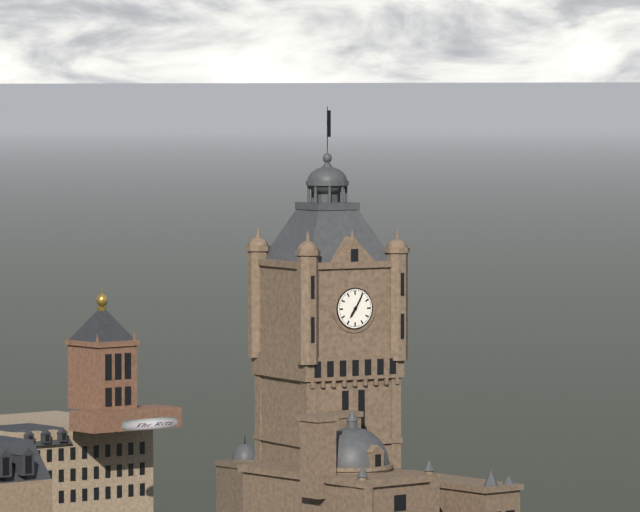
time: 7:05
